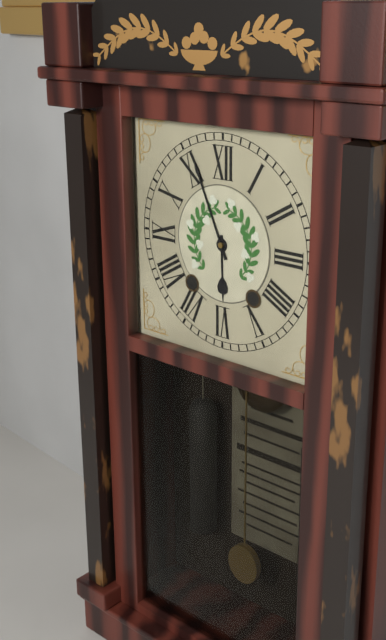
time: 5:56
